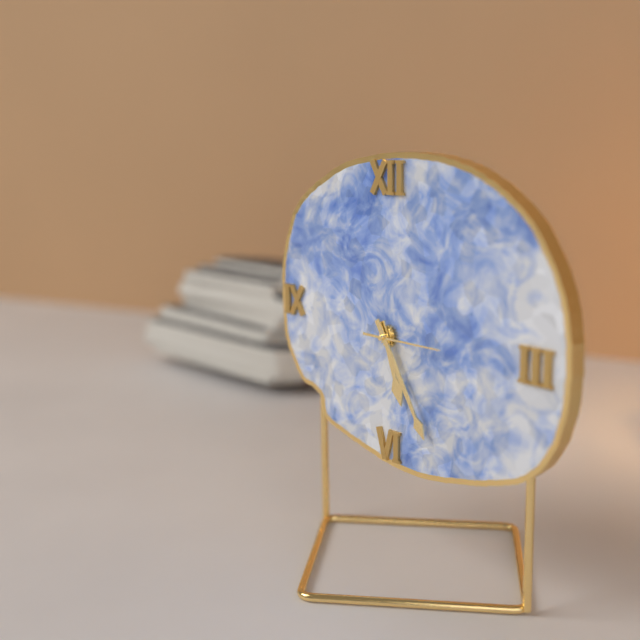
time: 5:25:15
